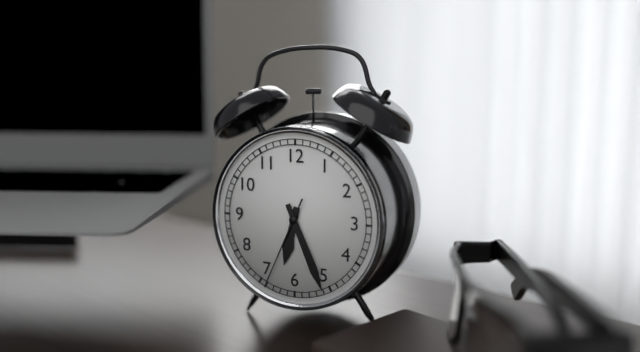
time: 6:26:34
